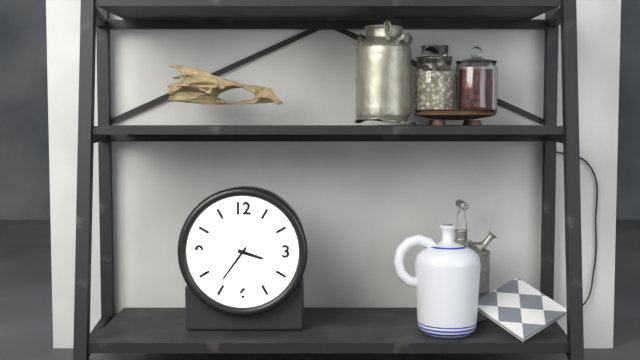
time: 3:36
